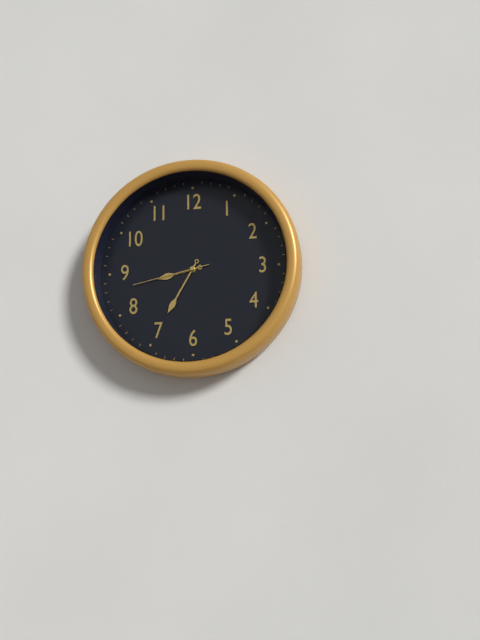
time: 8:35:43
